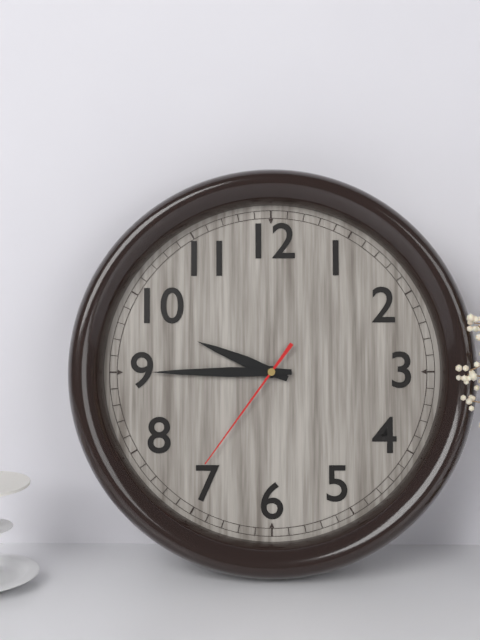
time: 9:45:36
